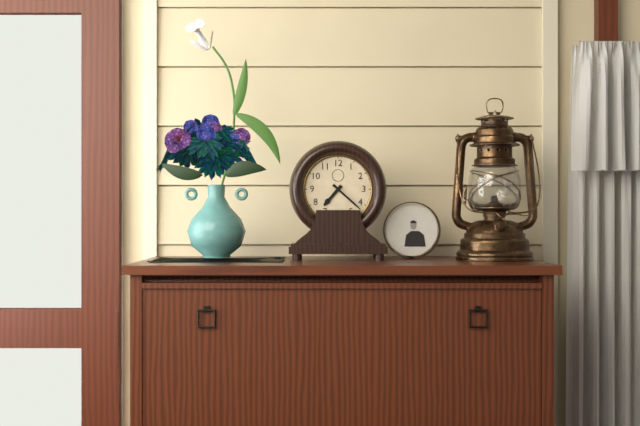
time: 7:22
